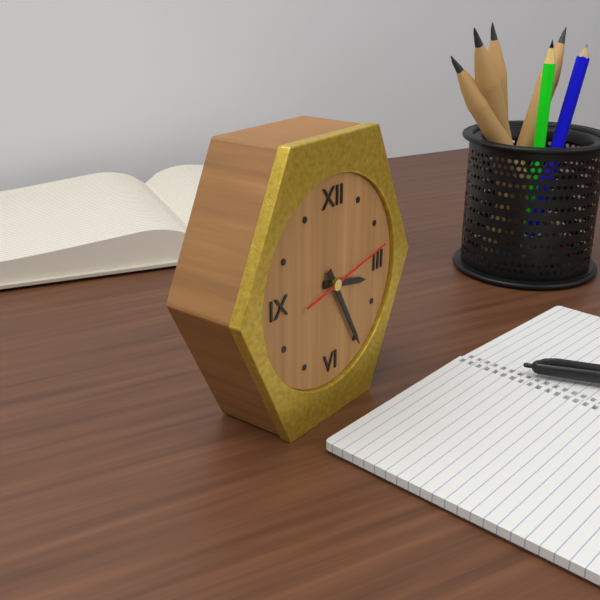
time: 3:25:13
